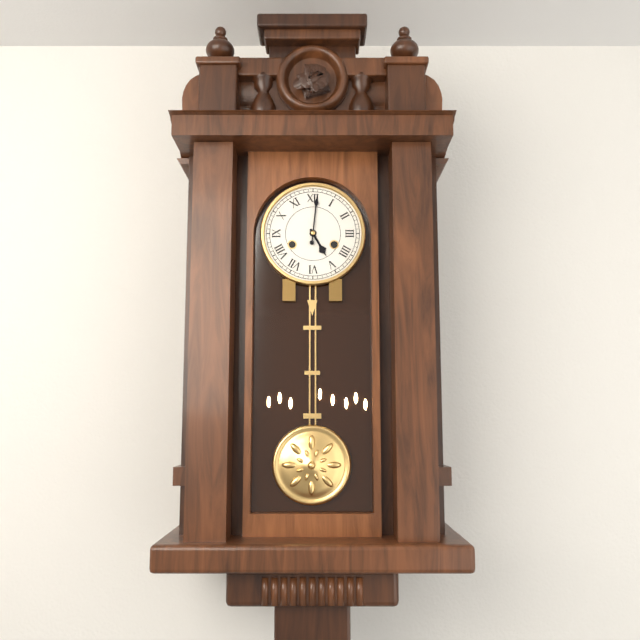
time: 5:01
